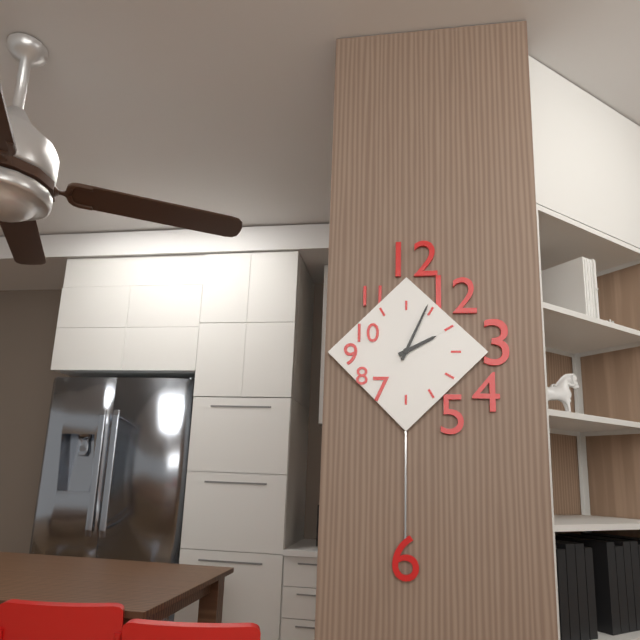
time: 2:04
